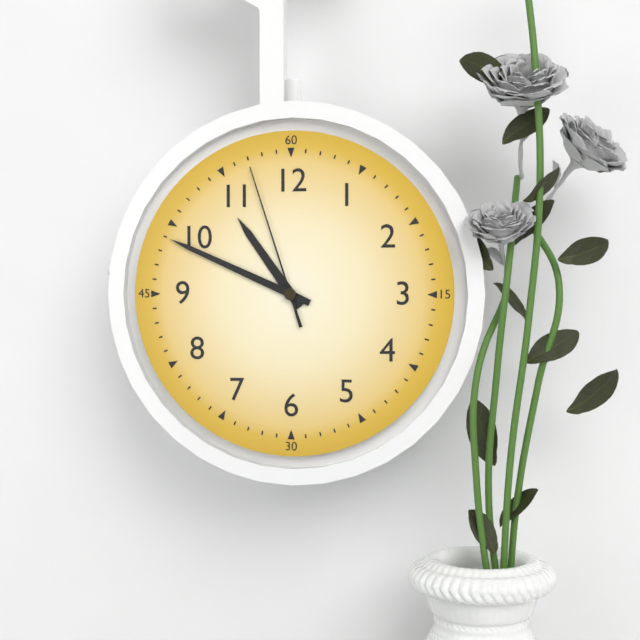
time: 10:49:57
